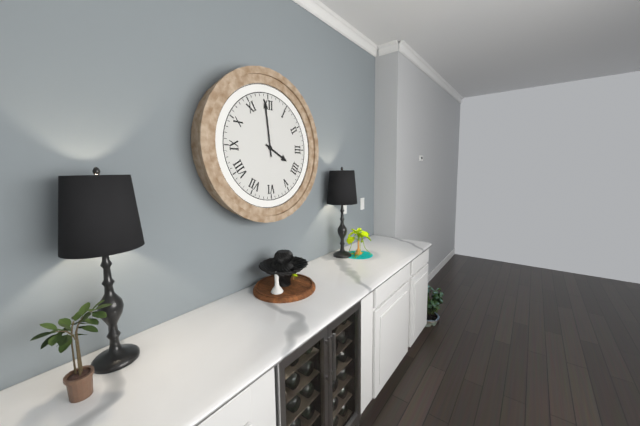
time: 3:59
